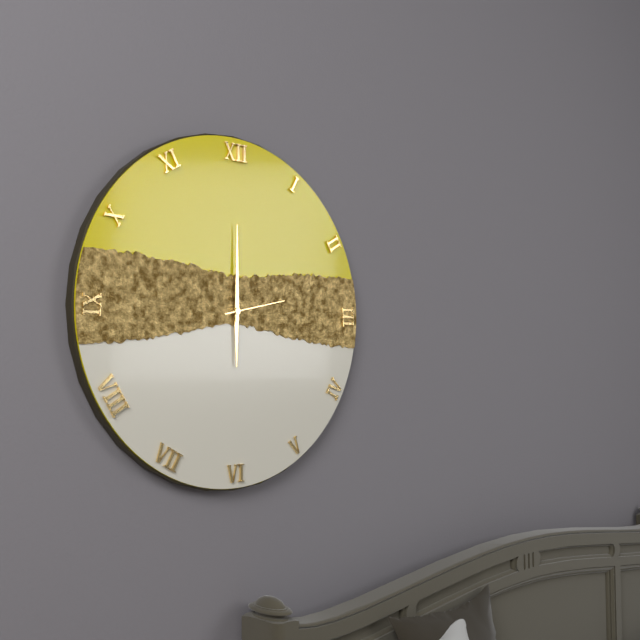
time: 6:00:13
